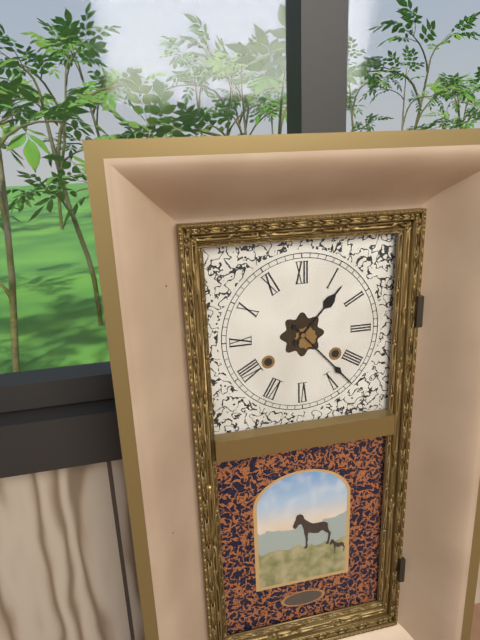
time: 1:23
